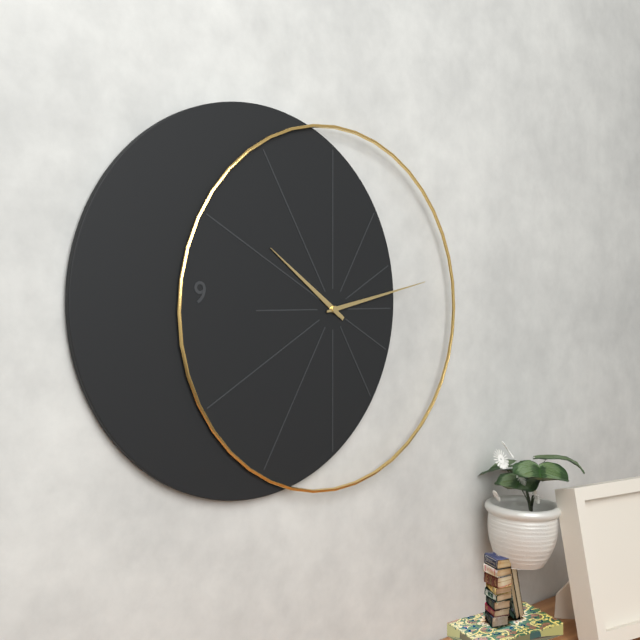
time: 10:13
